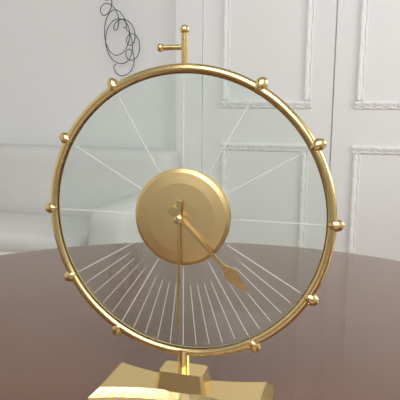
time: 4:30
